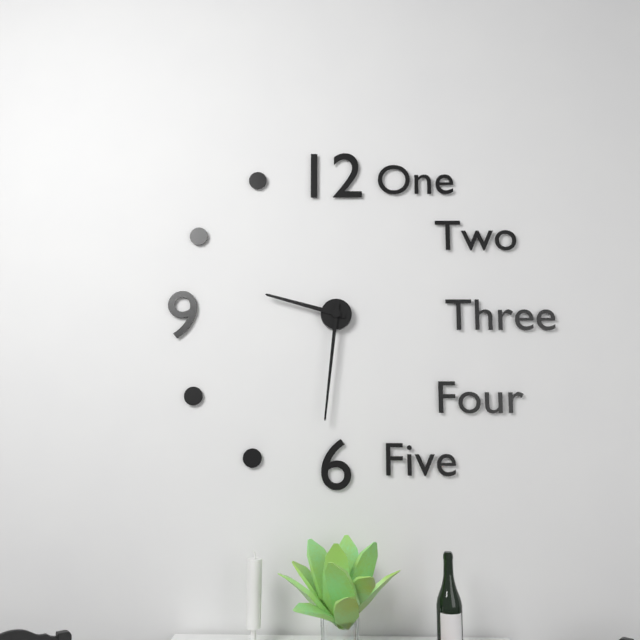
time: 9:31
